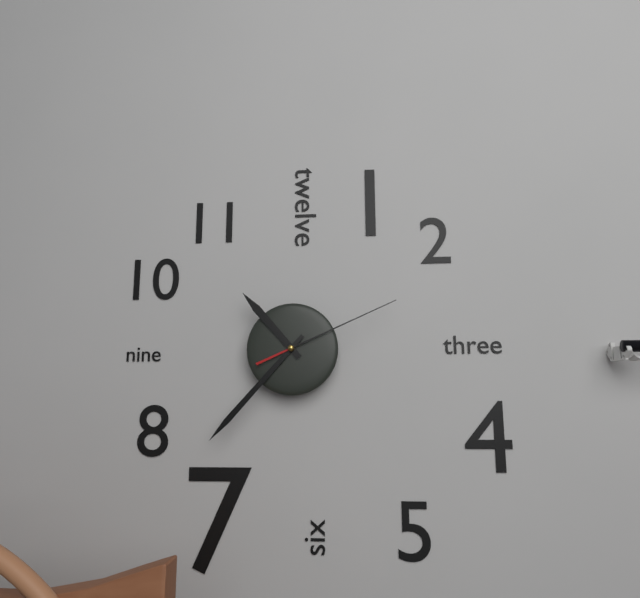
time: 10:37:11
